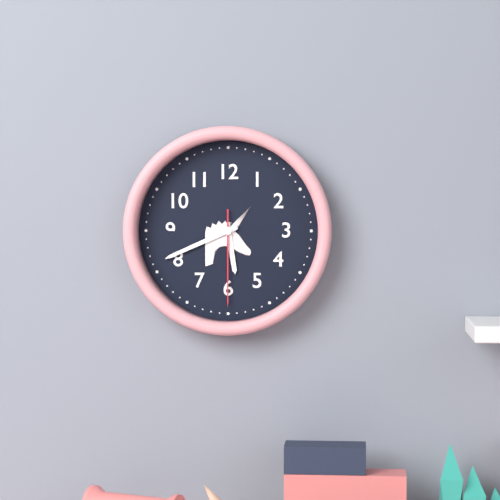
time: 5:41:30
